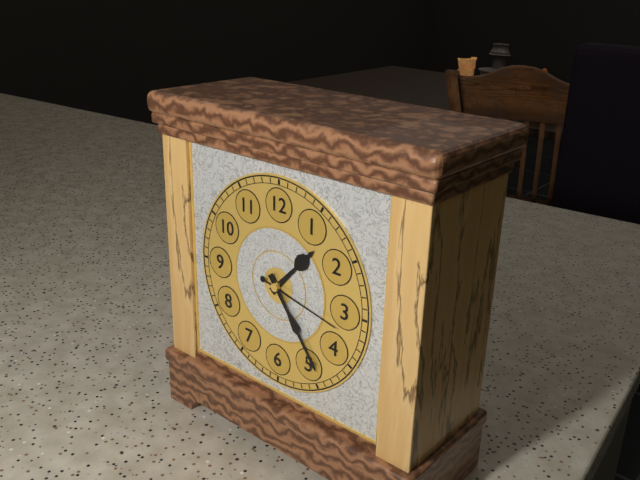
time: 1:24:17
